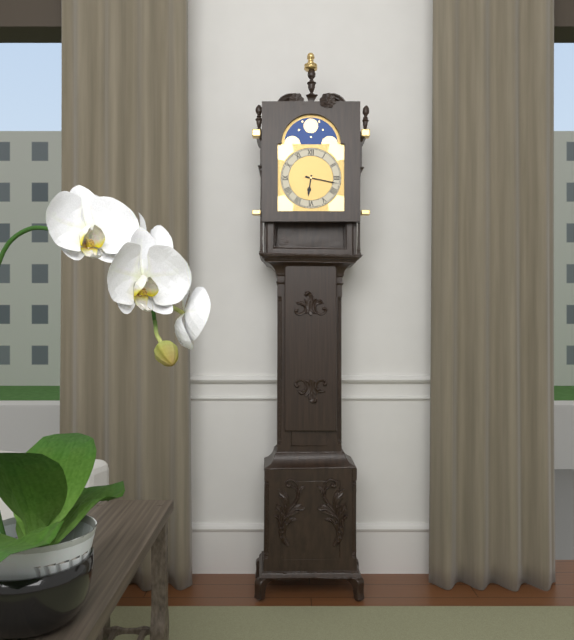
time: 6:17
